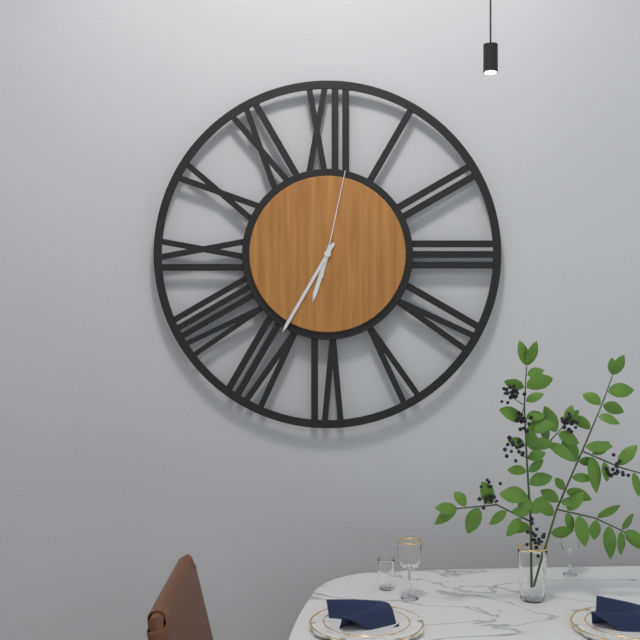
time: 6:35:02
